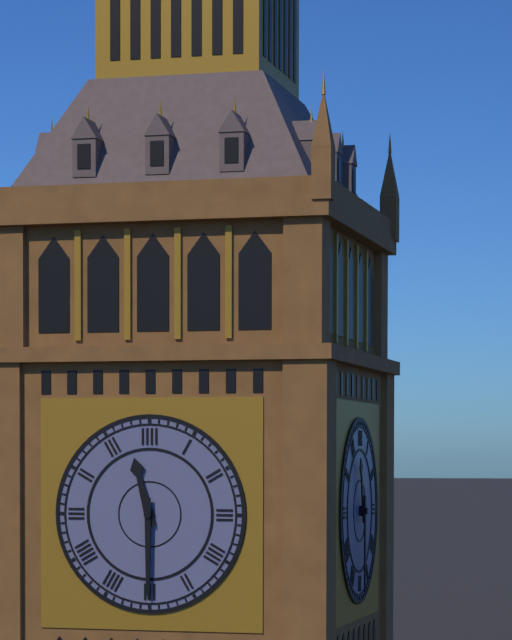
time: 11:30
